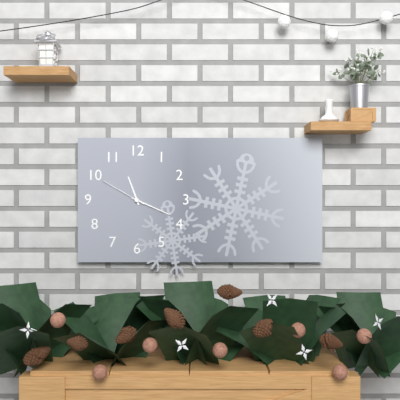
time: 11:19
